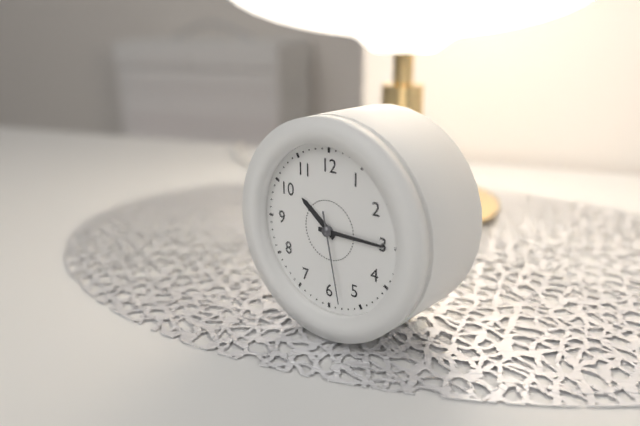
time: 10:15:28
